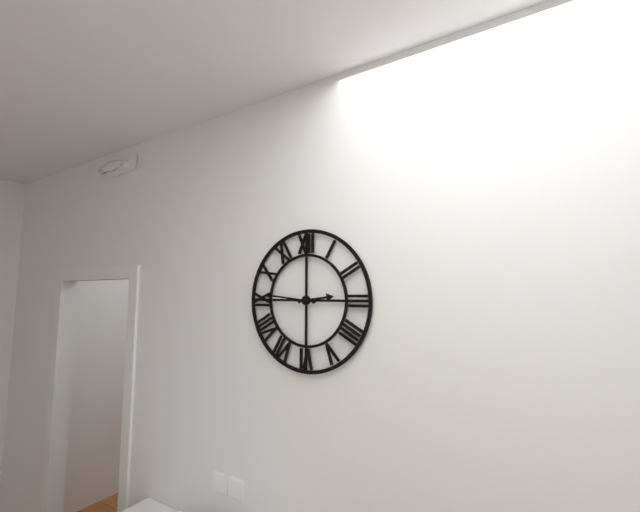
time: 2:46
